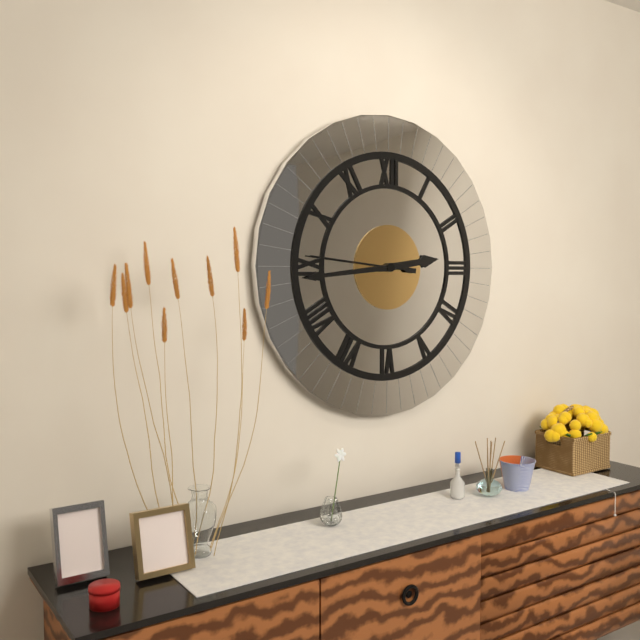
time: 2:44:46
